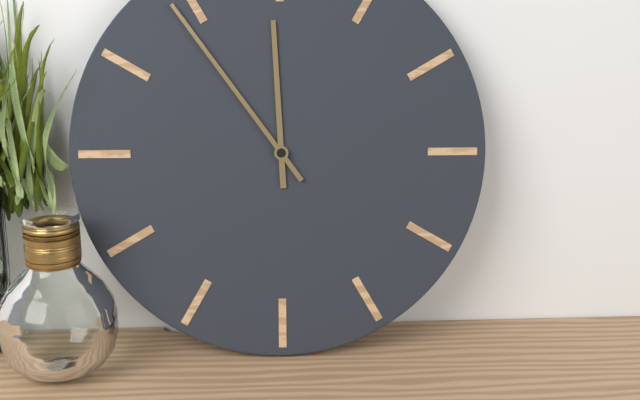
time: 11:54
